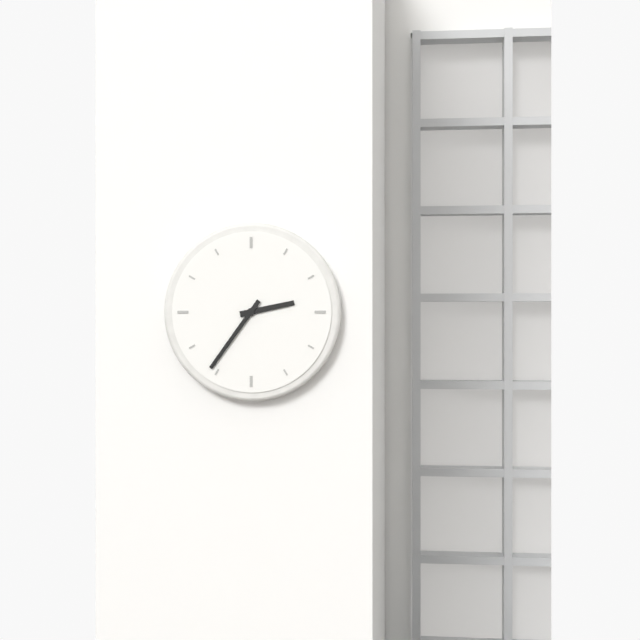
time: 2:36
